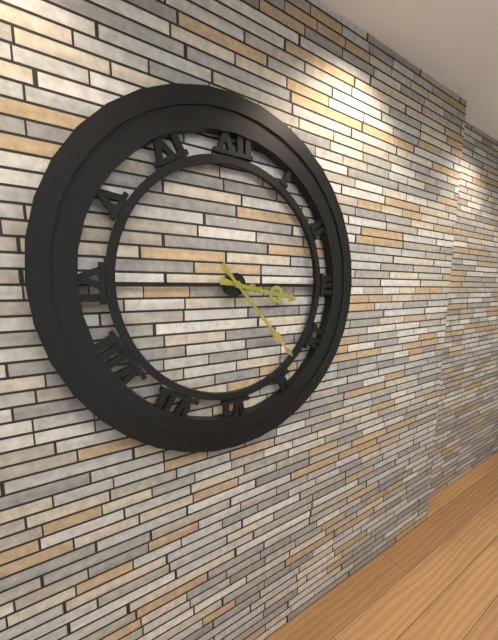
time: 3:23
